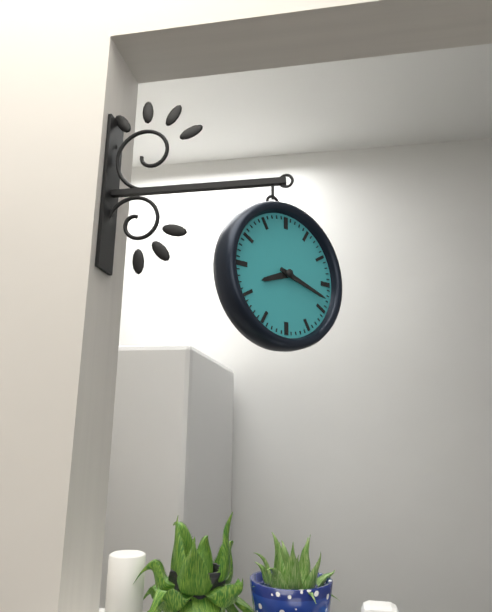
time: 8:18
